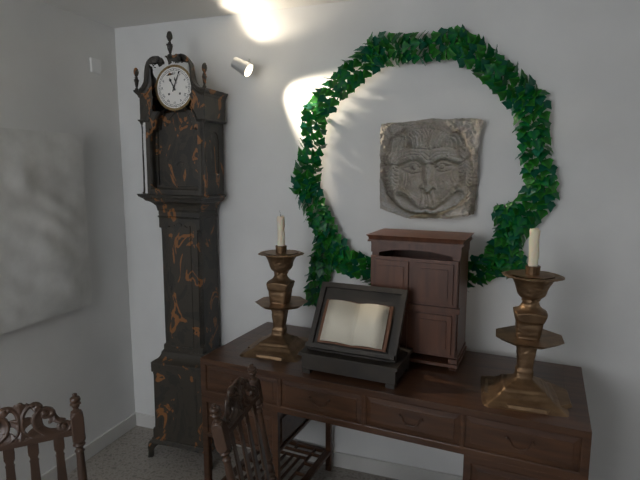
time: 11:04
